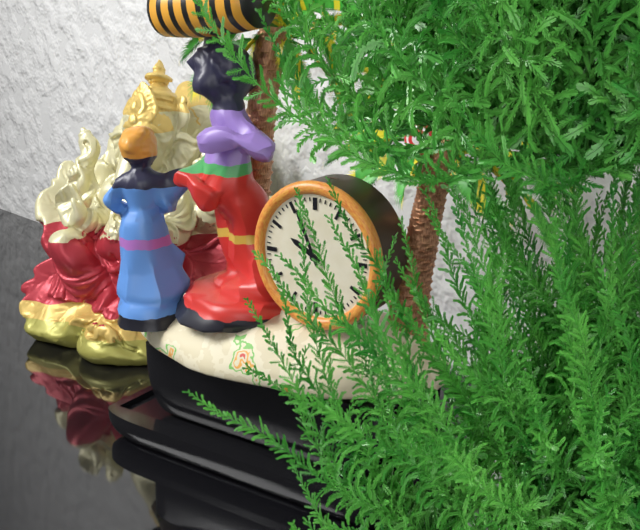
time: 9:56
